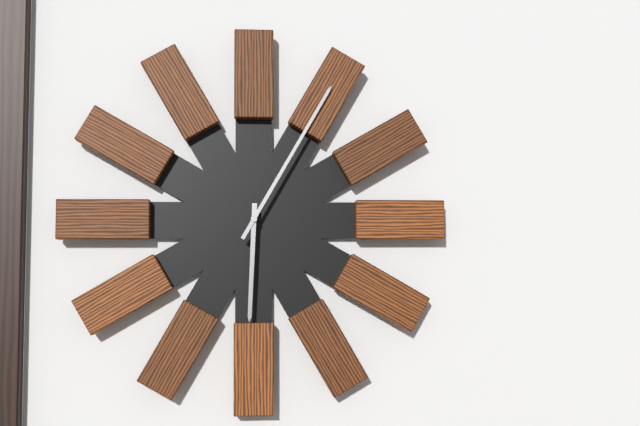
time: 6:05
